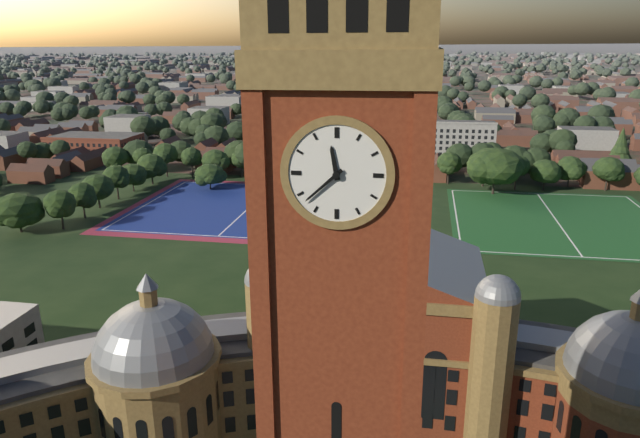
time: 11:38
